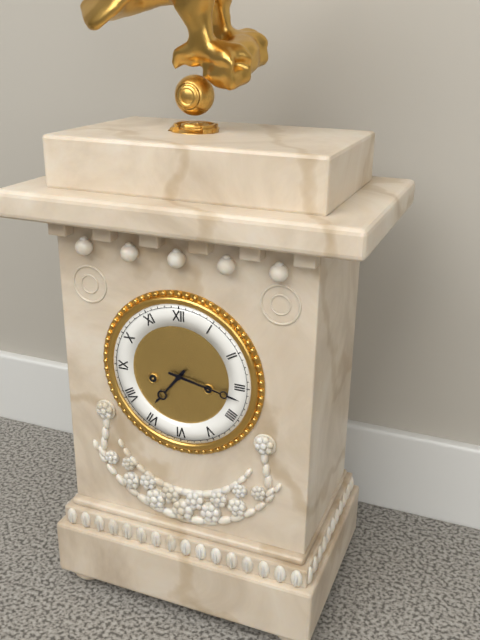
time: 7:17
